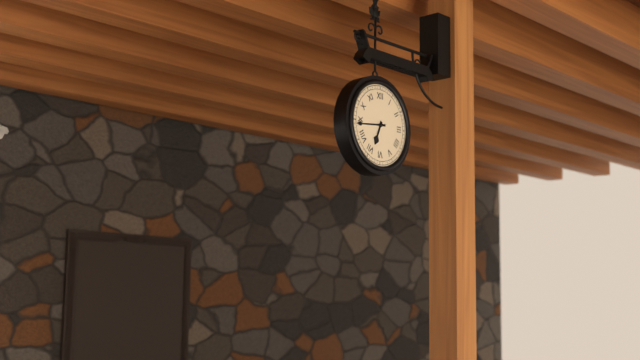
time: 6:44
